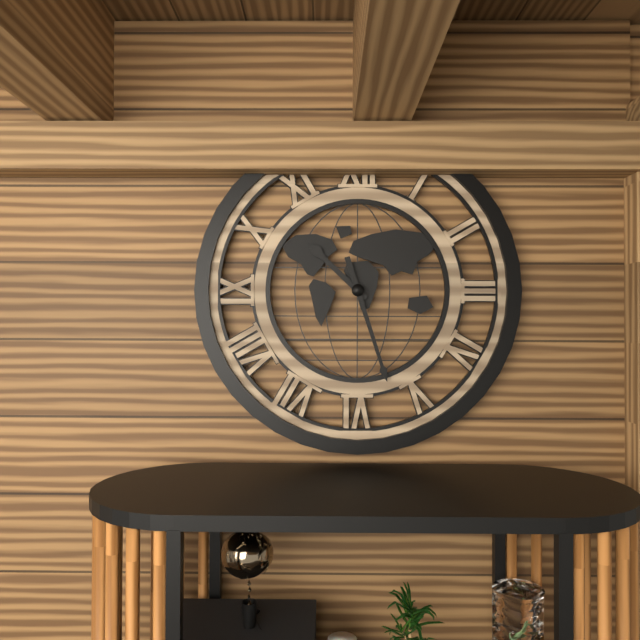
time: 10:27
